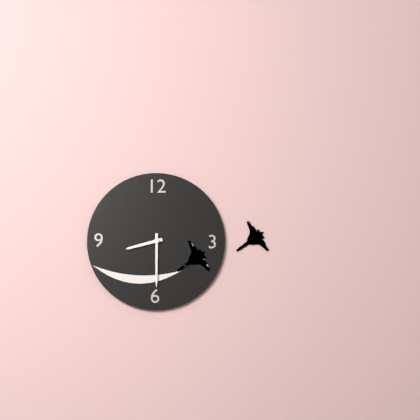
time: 8:30
